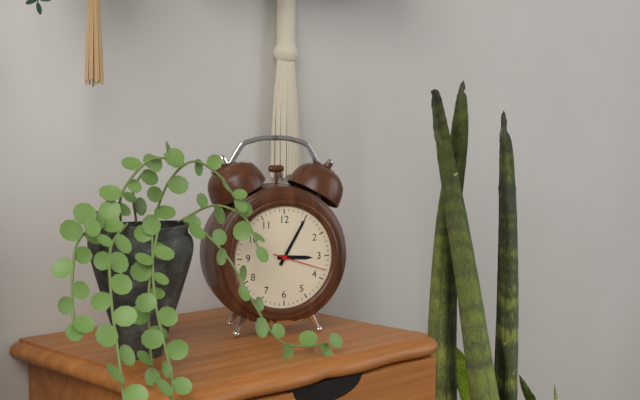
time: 3:05:18
